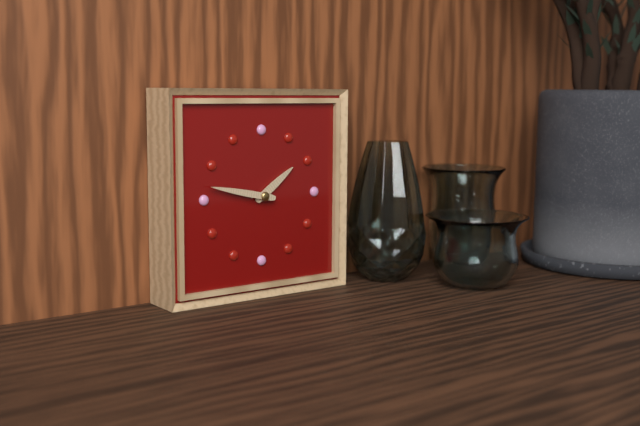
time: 1:47
